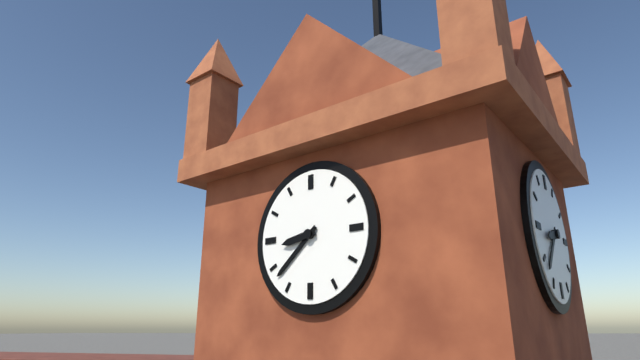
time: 8:38
